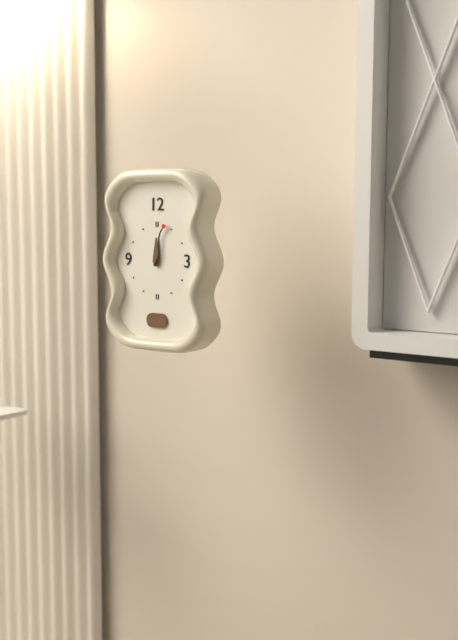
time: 12:03
